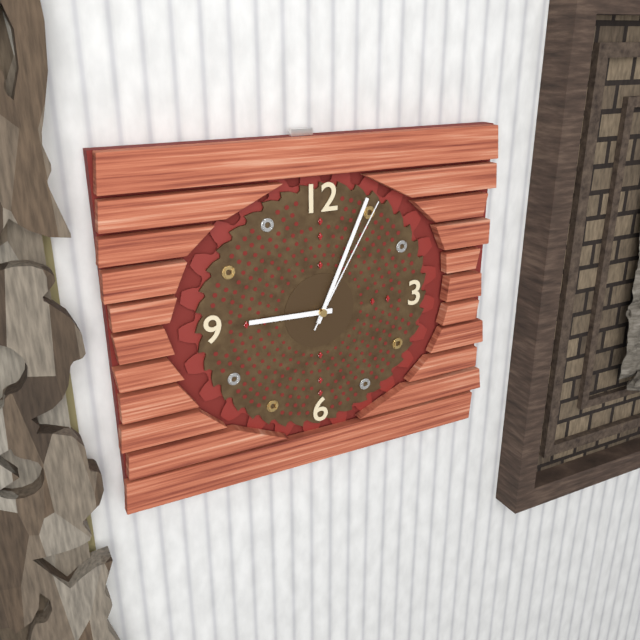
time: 9:04:05
